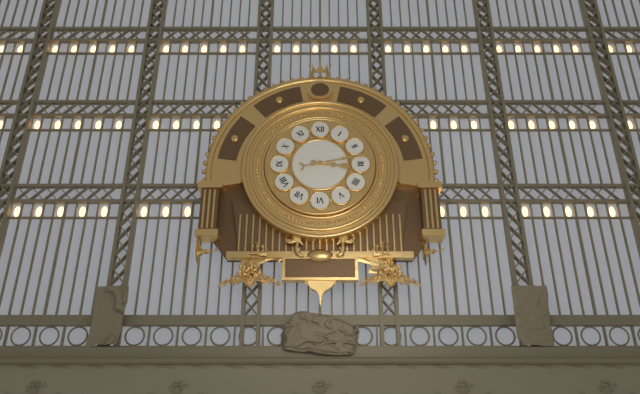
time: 3:13
